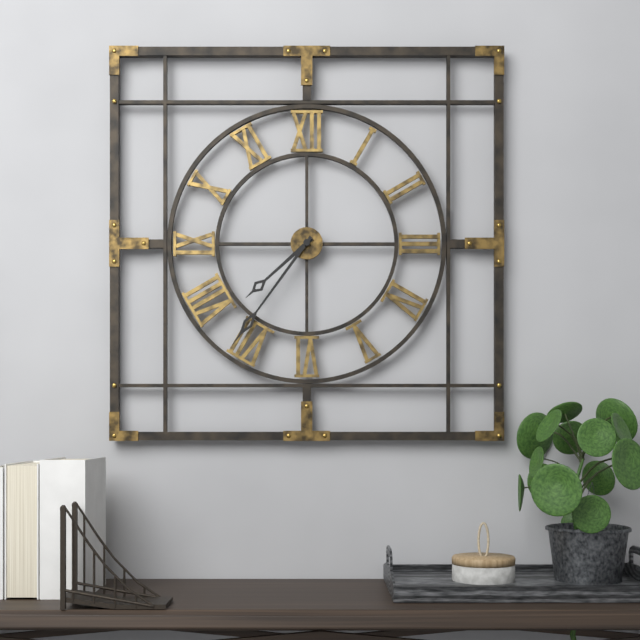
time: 7:36
